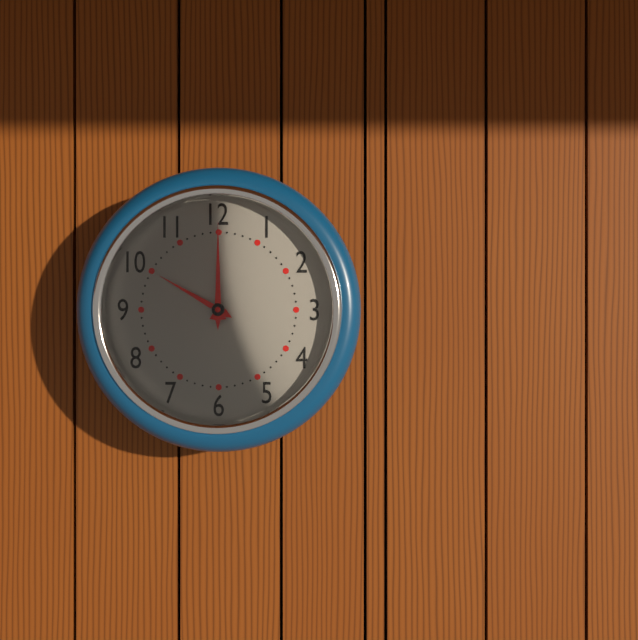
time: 10:00
